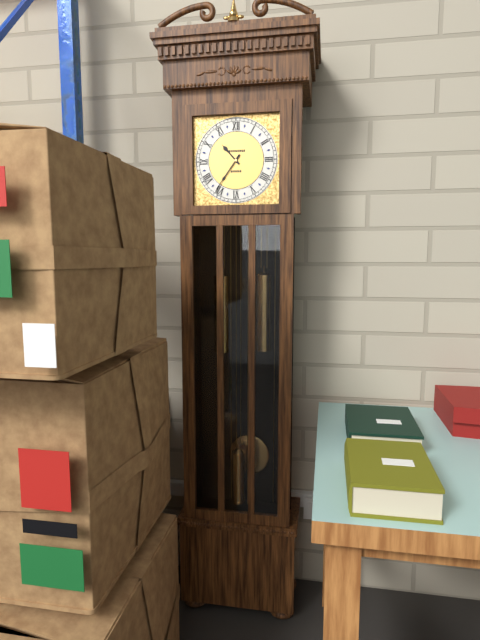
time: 10:36
